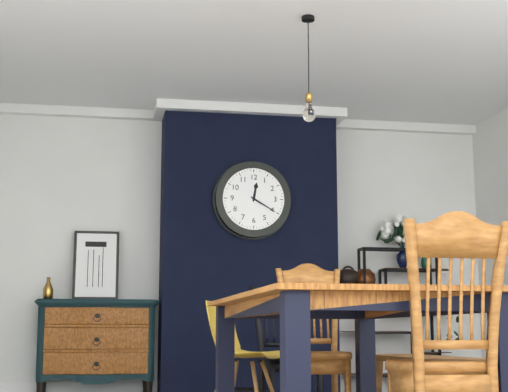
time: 12:20
